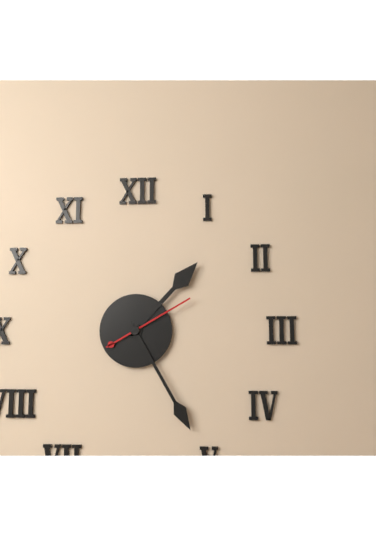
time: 1:25:10
